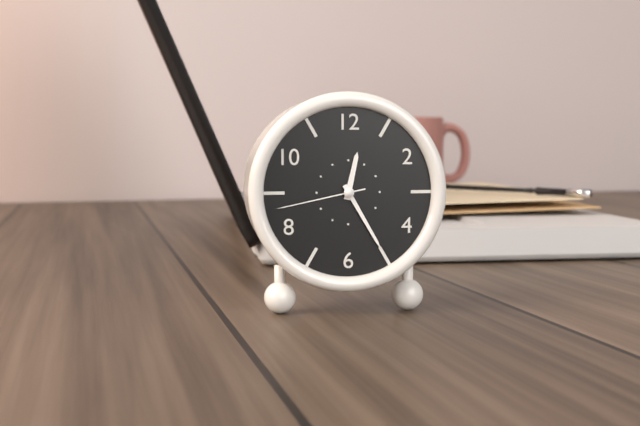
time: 12:25:43
